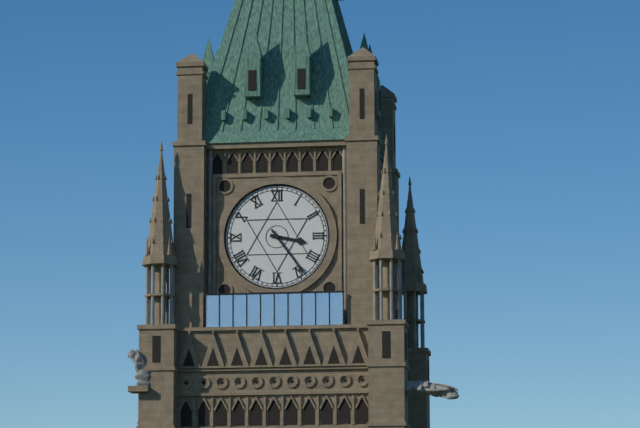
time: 3:24
